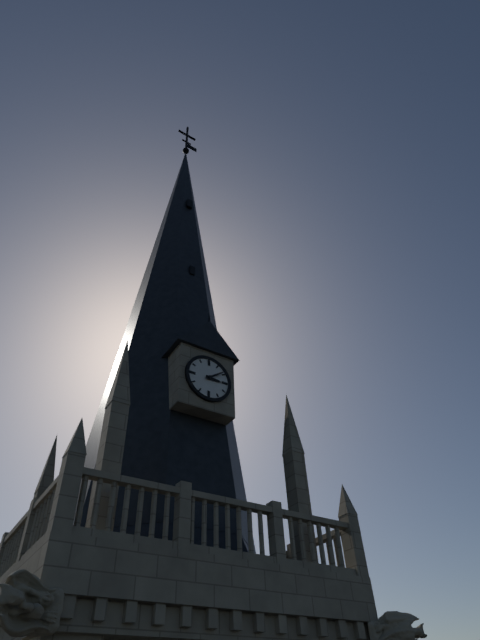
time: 3:09
